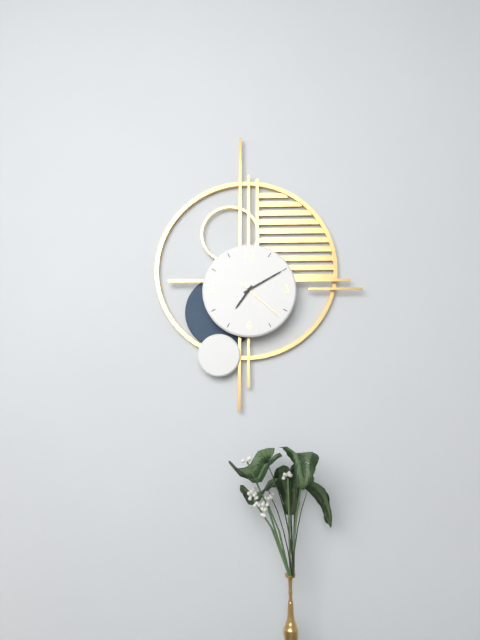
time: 7:10
